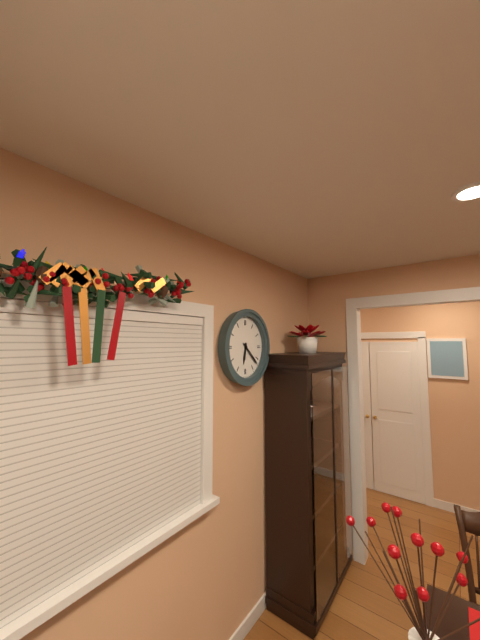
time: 6:22
